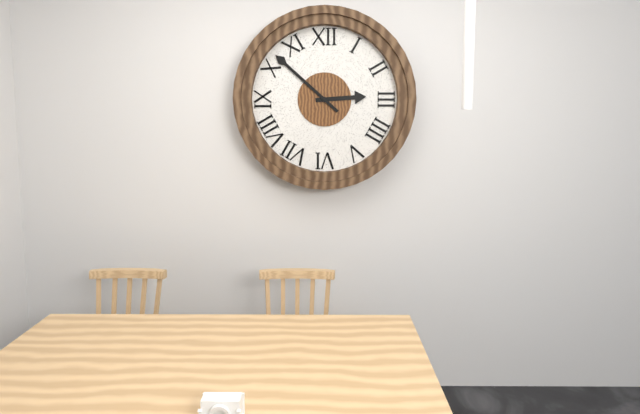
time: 2:52
